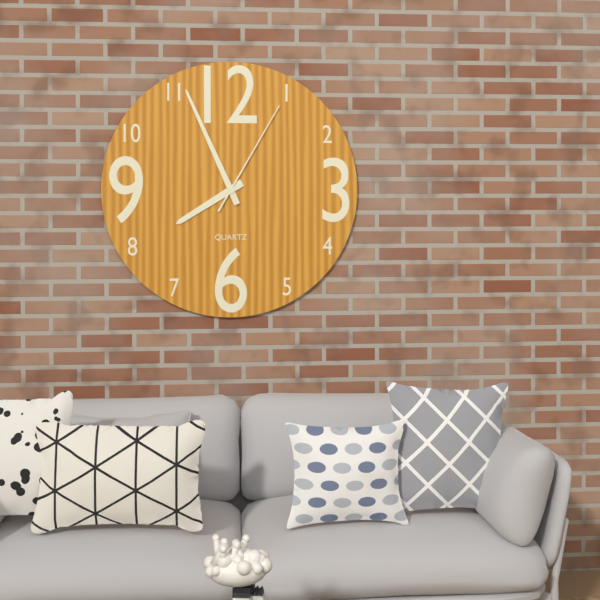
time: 7:56:05
